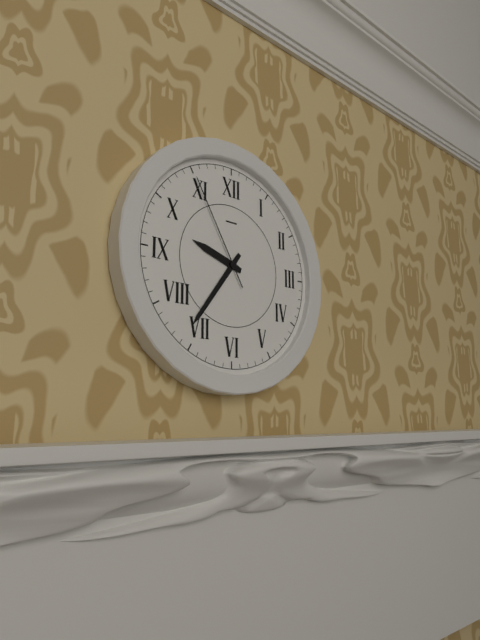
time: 9:36:55
